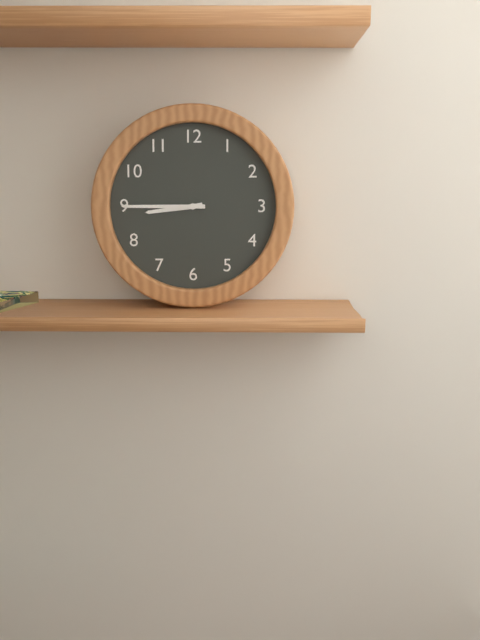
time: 8:45
